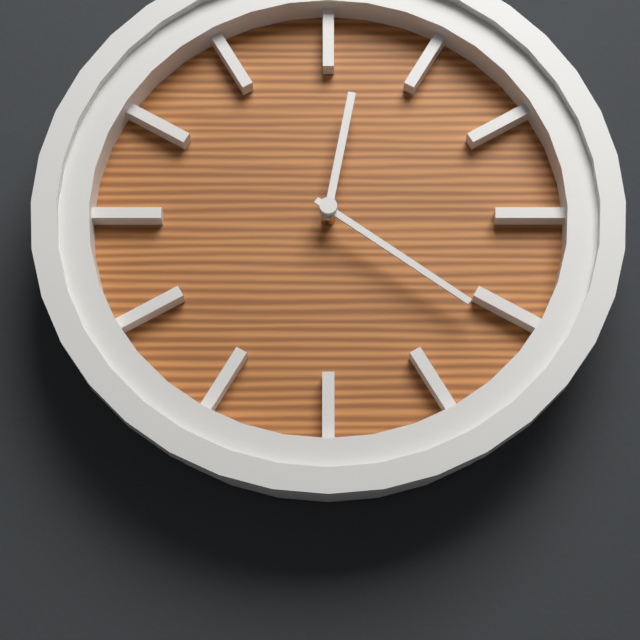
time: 12:21
